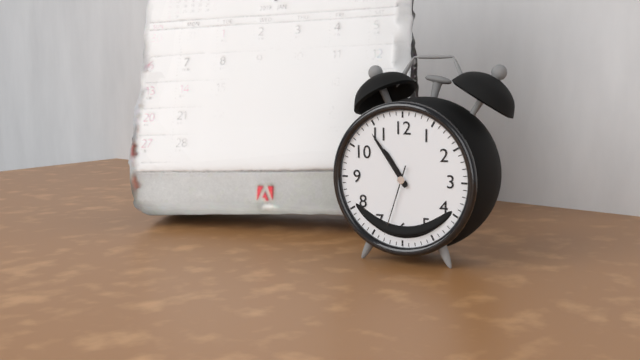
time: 10:54:33
